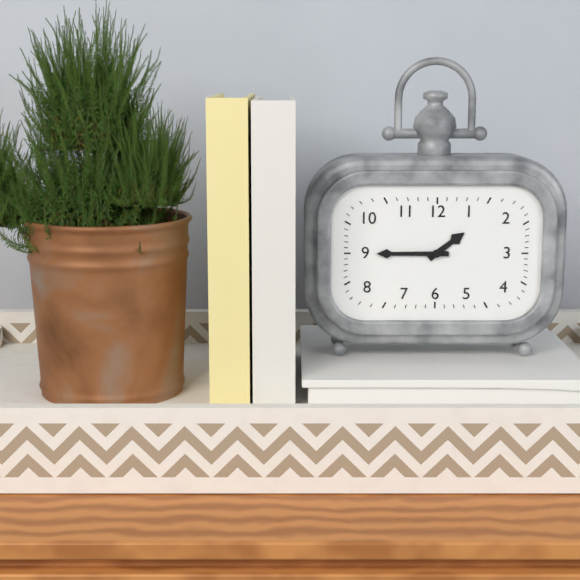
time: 1:45
